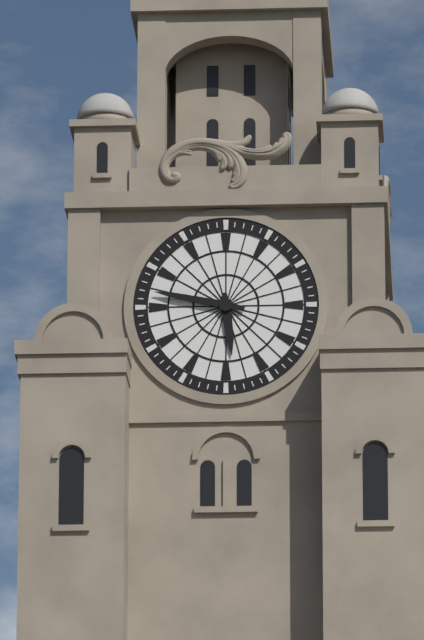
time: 5:47
